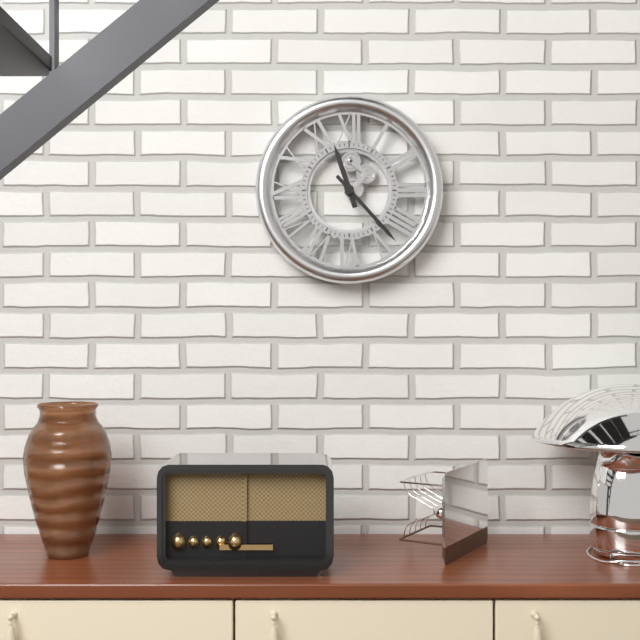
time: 11:23
